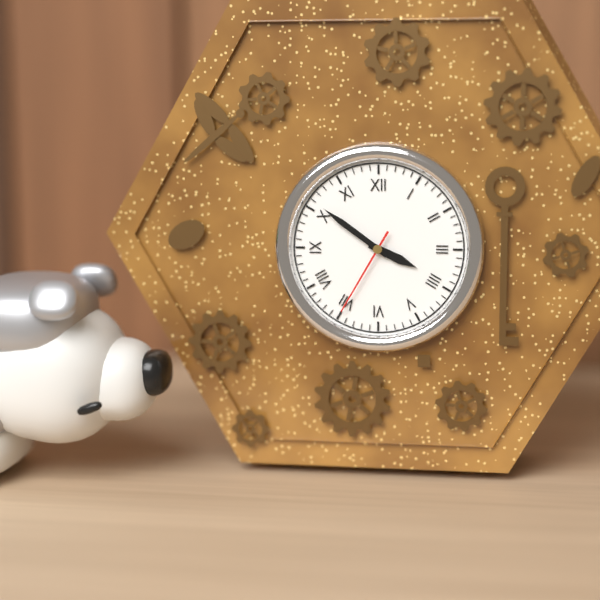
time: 3:51:35
